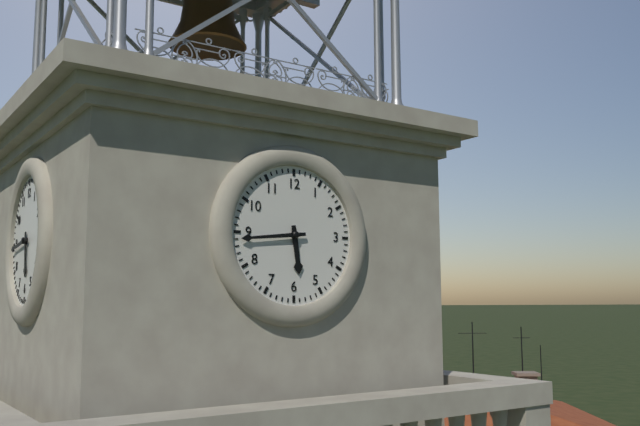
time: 5:44
